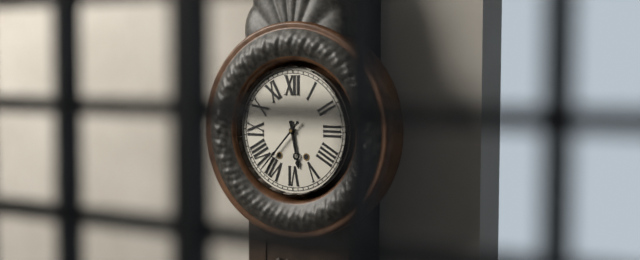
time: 5:37
